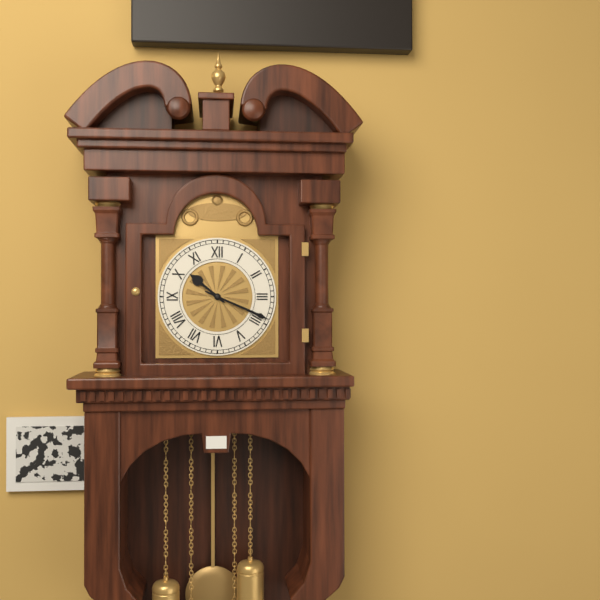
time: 10:19
